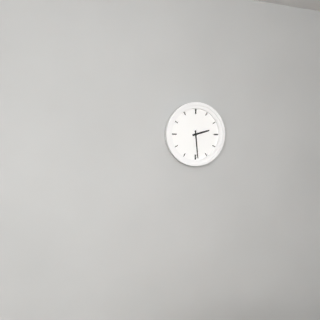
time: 2:29
